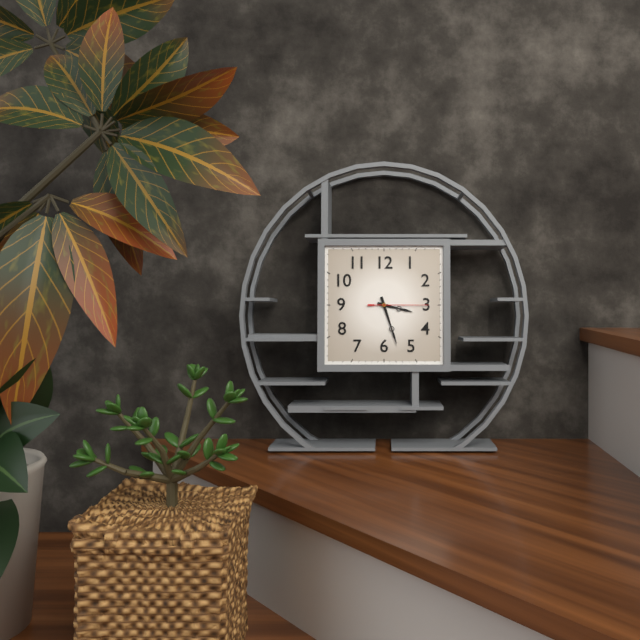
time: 3:27:15
